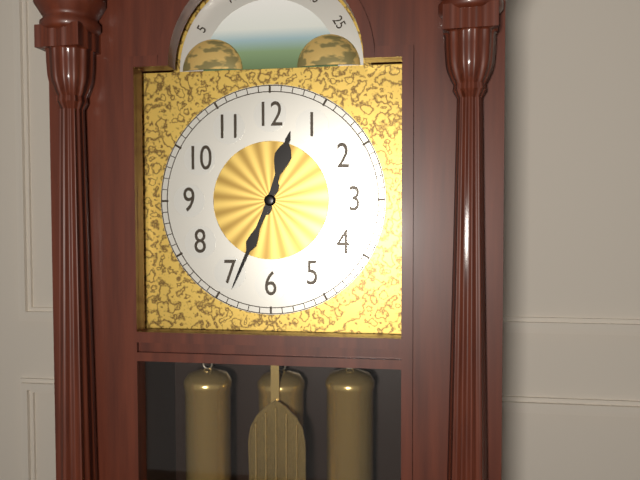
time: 12:34
